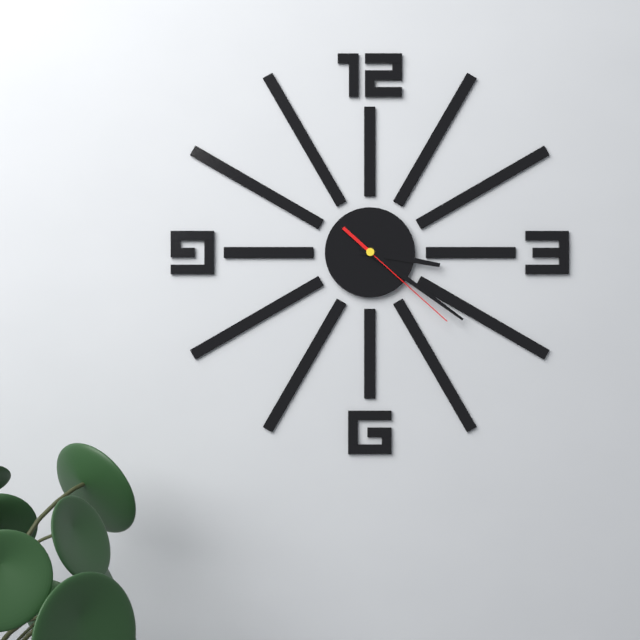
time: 3:21:22
